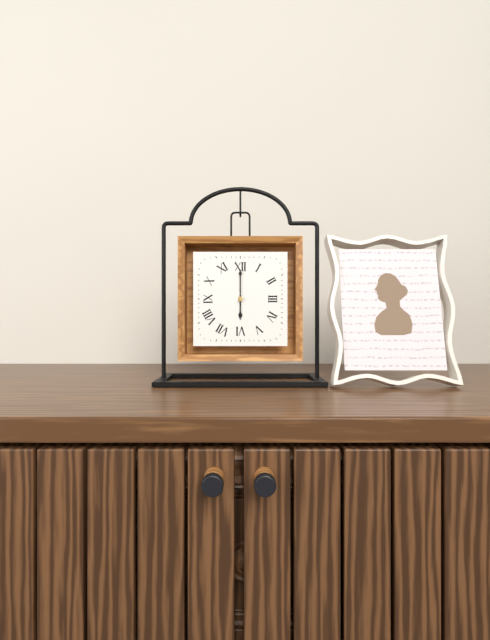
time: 6:00
